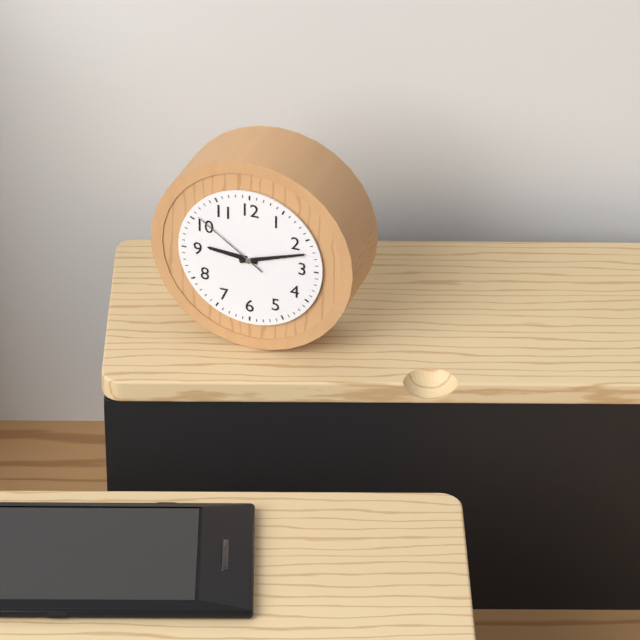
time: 9:12:51
